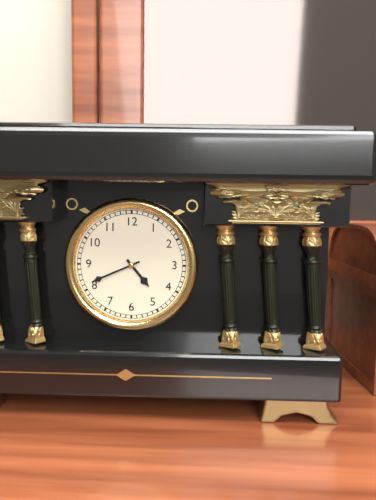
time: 4:41
